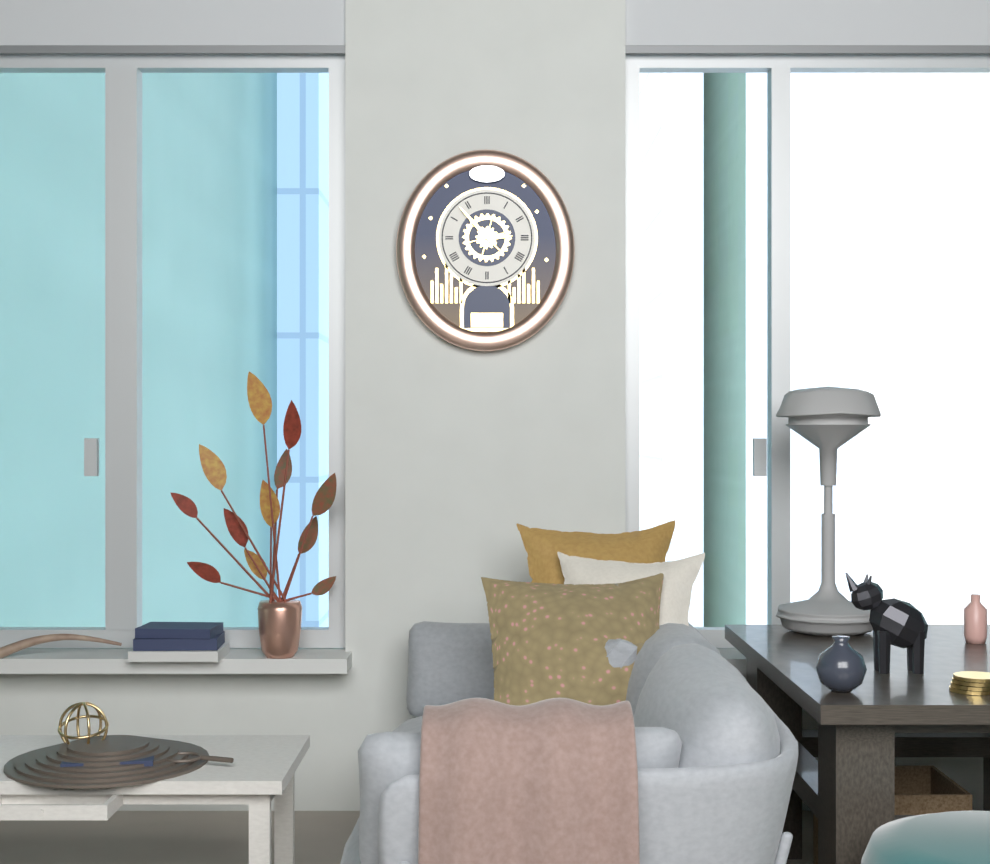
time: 2:53
